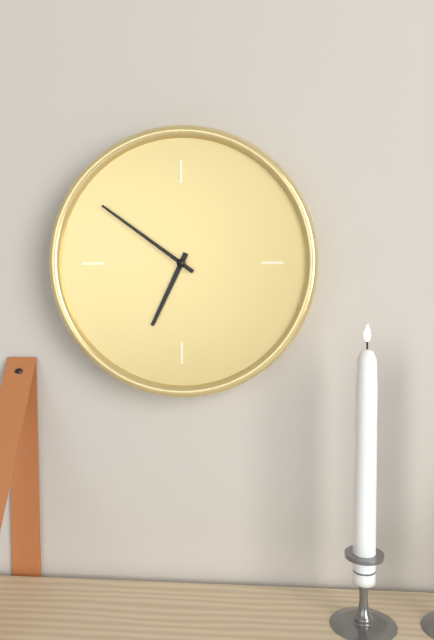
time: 6:51
